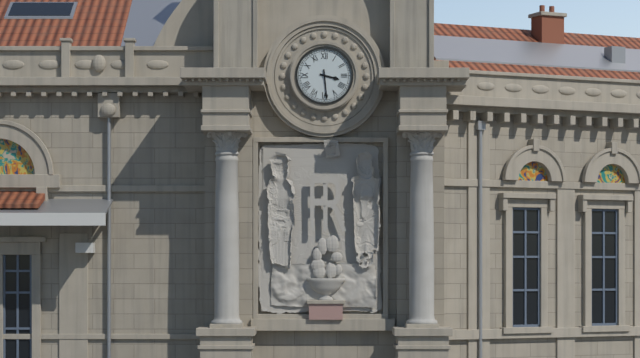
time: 3:29
